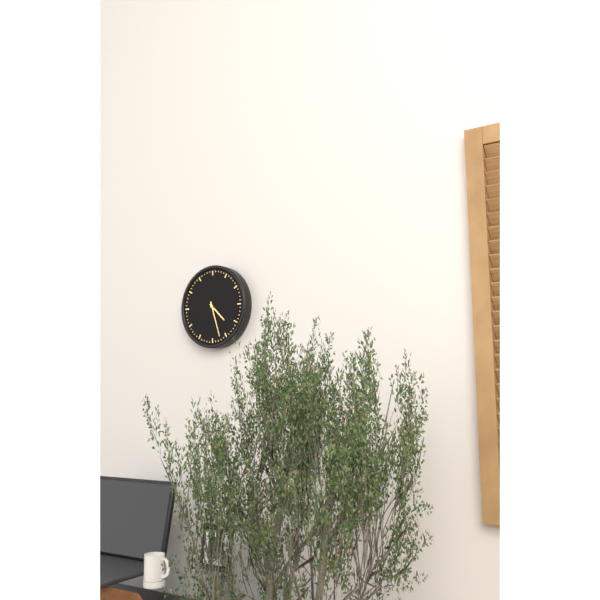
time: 4:27
